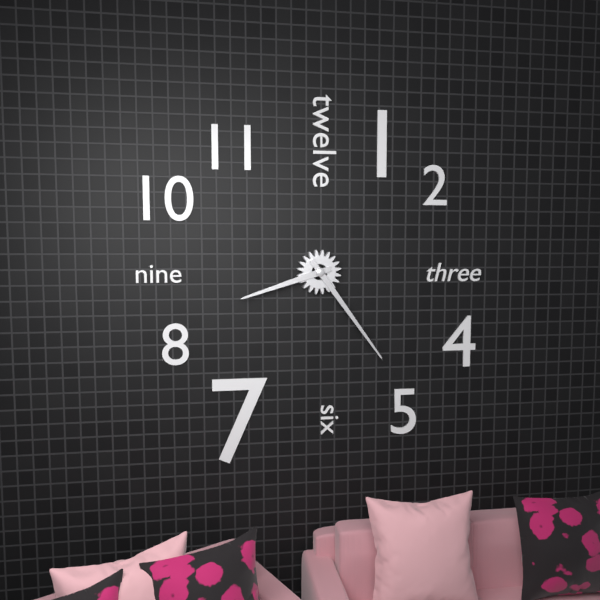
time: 8:24
